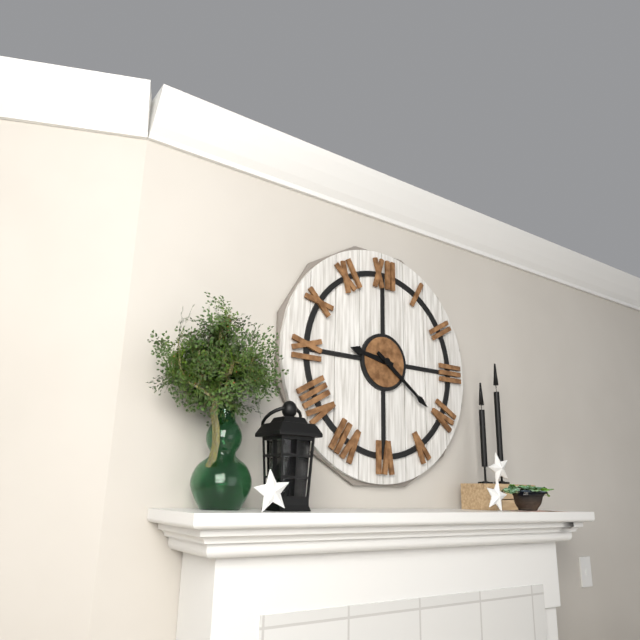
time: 9:21
